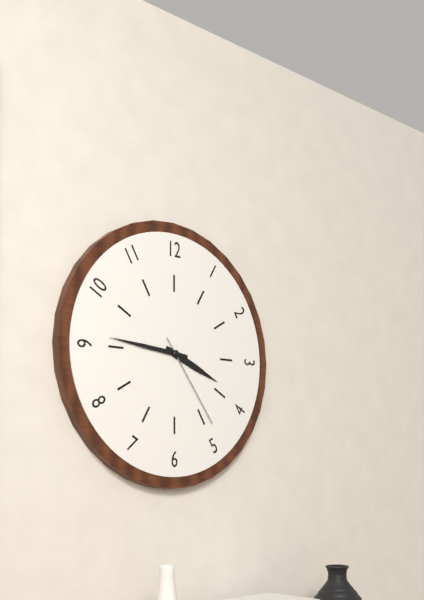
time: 3:46:24
